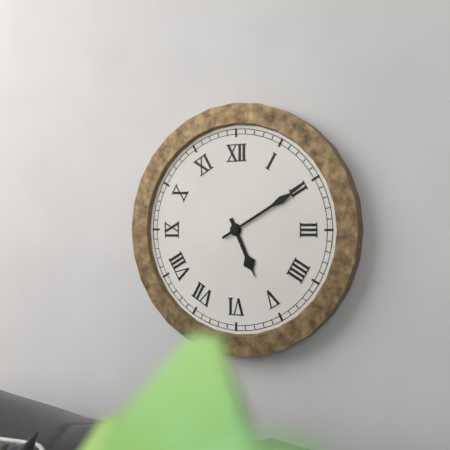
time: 5:10
